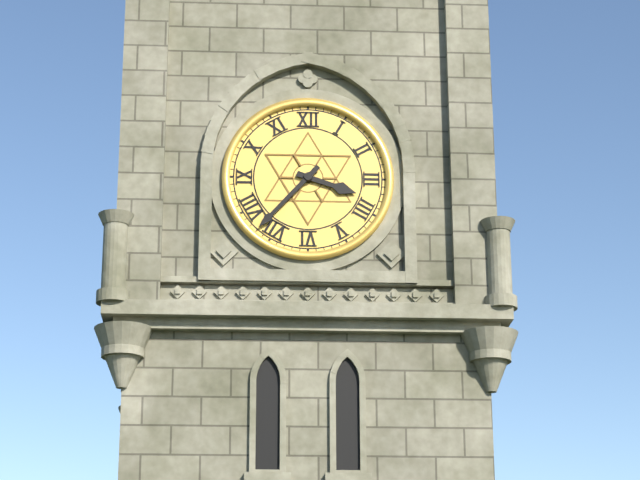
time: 3:37
